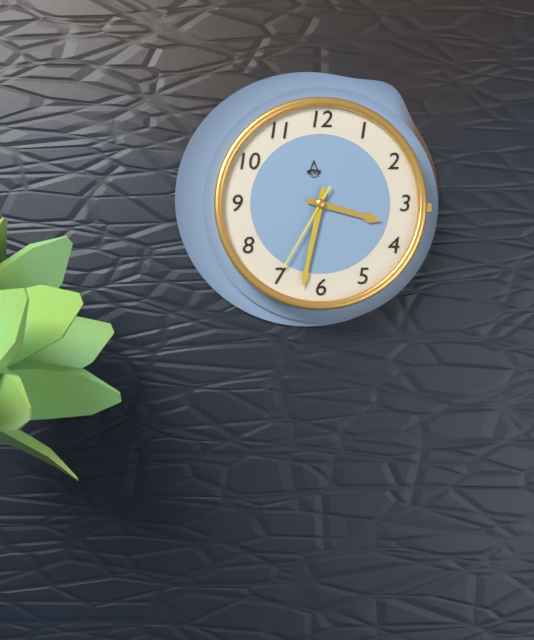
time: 3:32:35
